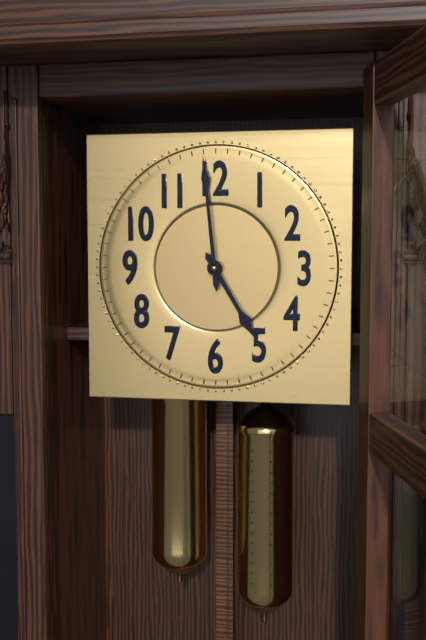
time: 4:59
